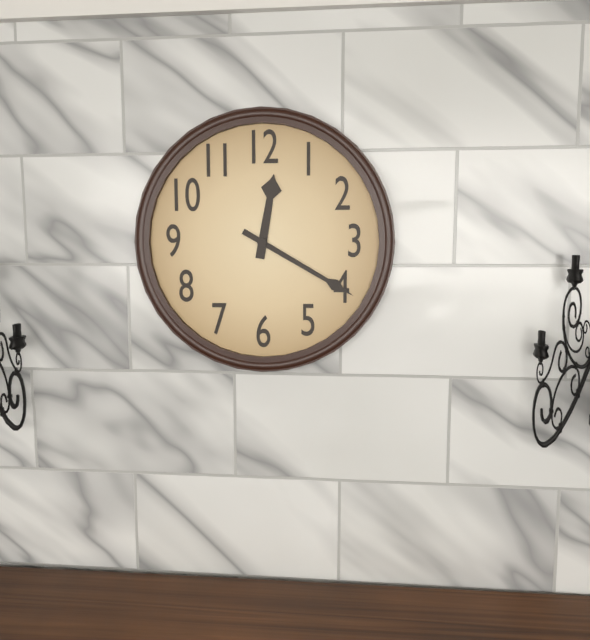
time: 12:20
